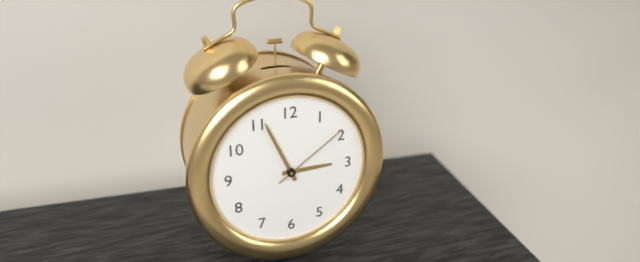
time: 2:56:09
